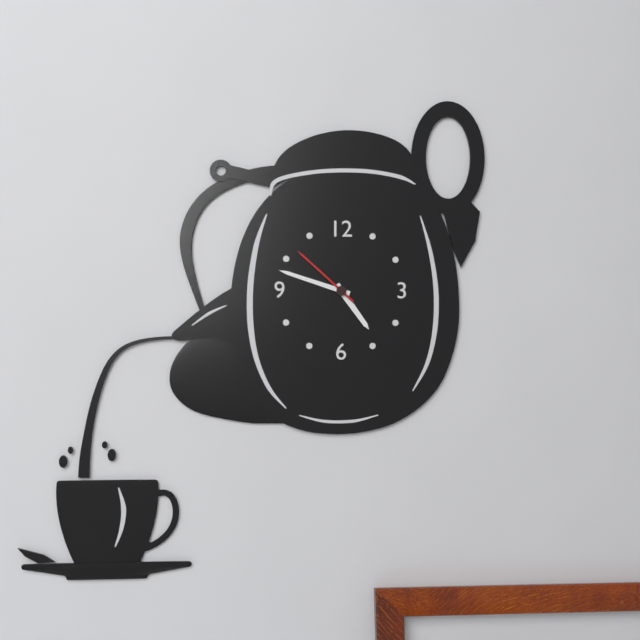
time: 4:48:52
